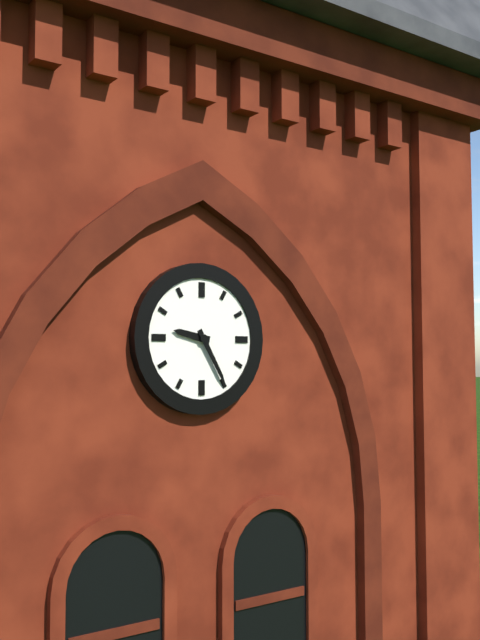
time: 9:25
